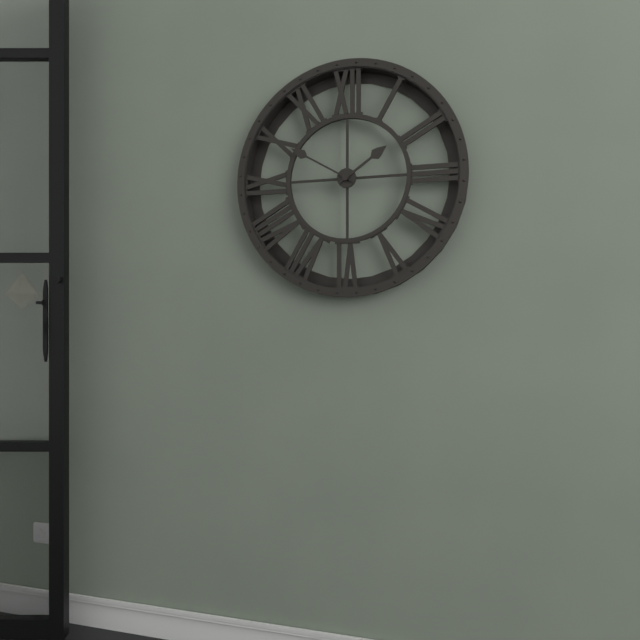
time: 1:50
